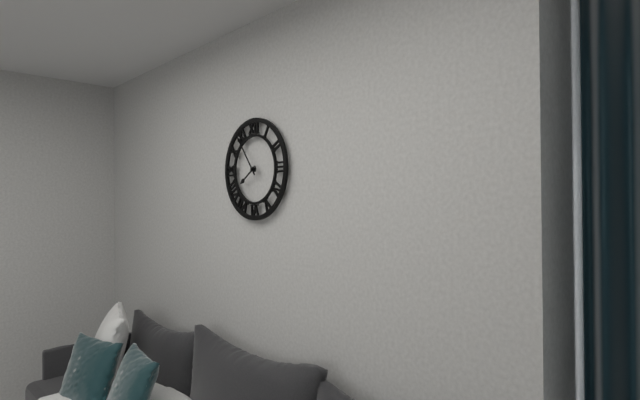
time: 7:54
